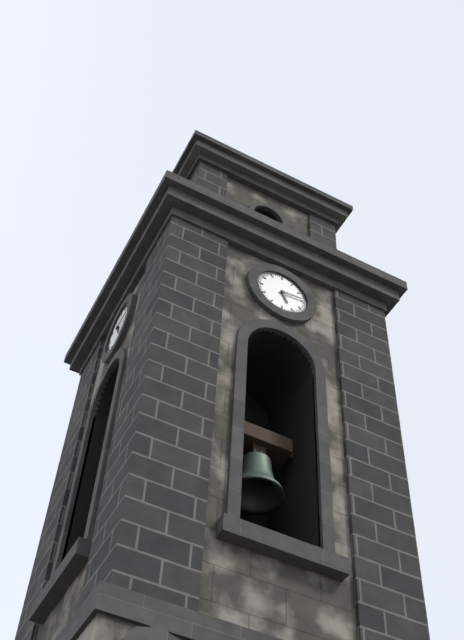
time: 5:14
